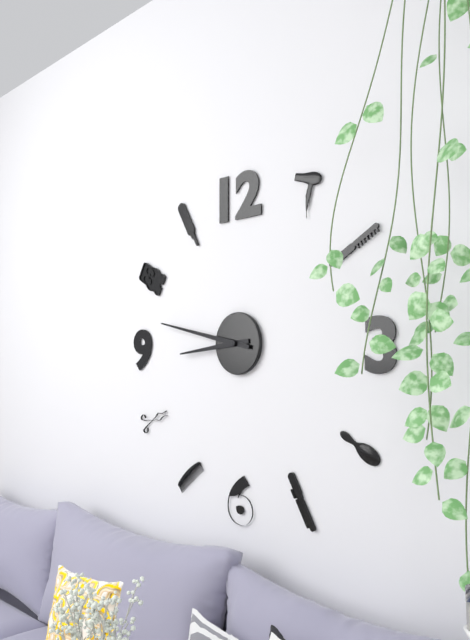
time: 8:47
